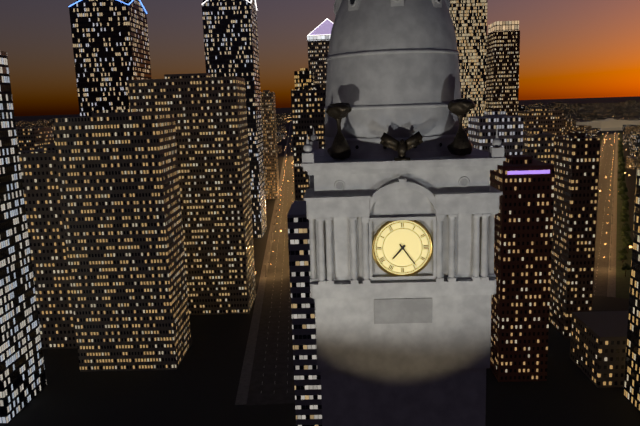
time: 7:24
